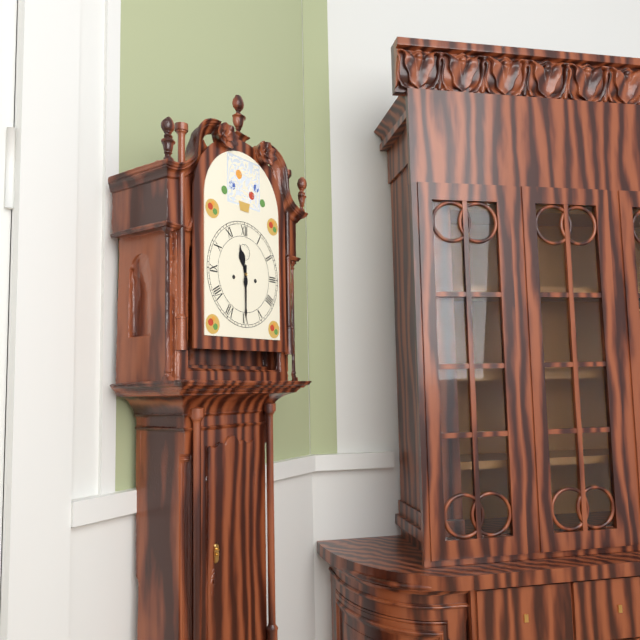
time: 11:30
